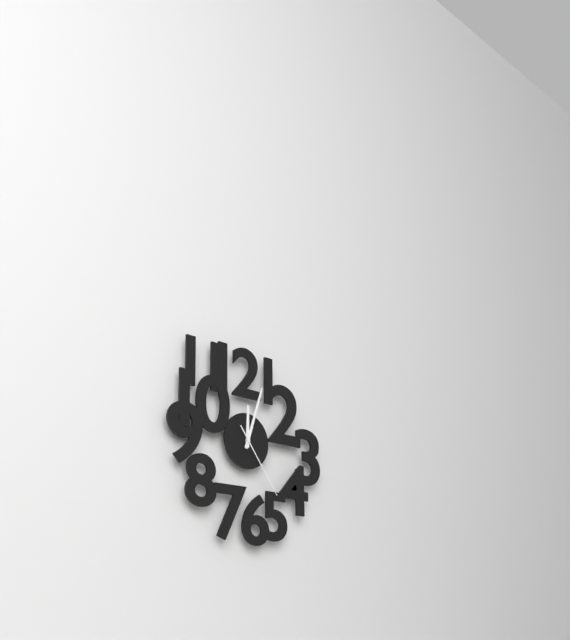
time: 12:03:24
